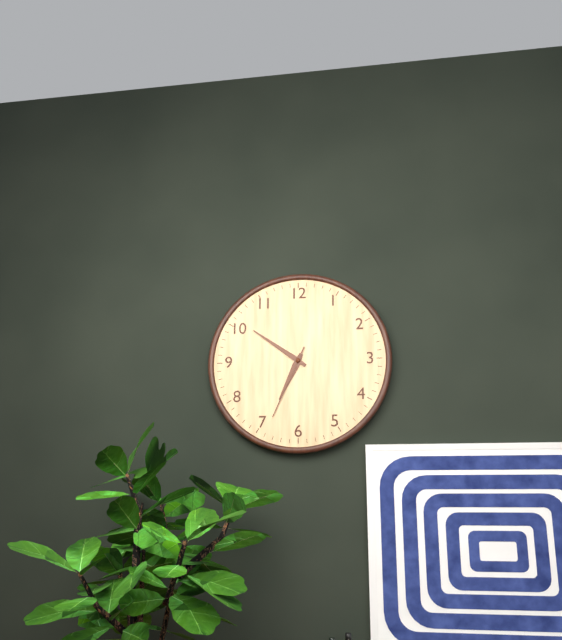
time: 6:51:34
